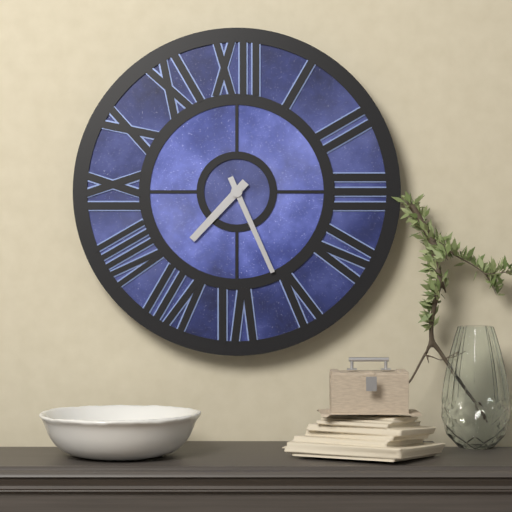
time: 7:26
